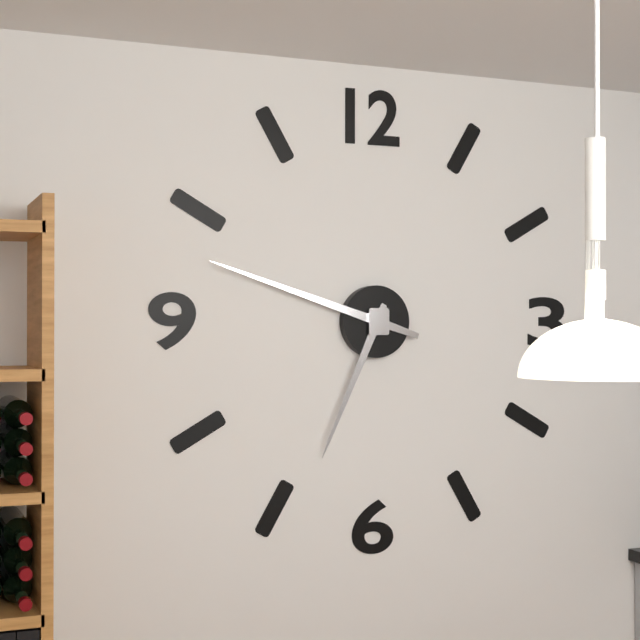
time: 6:48
